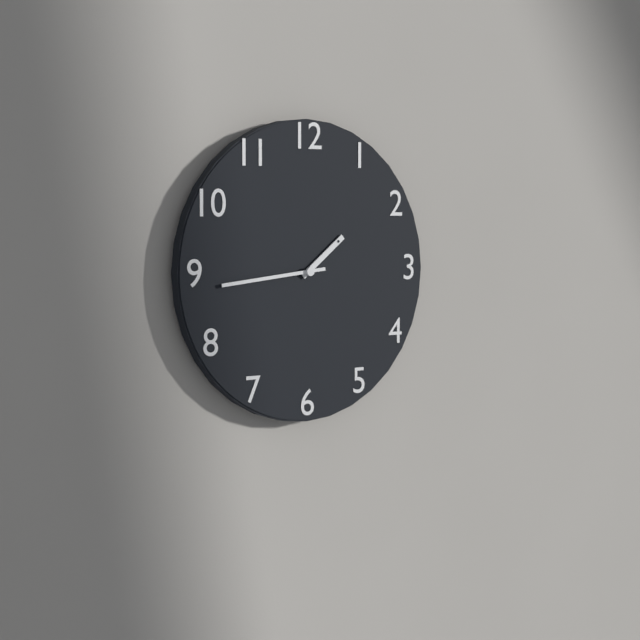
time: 1:44
